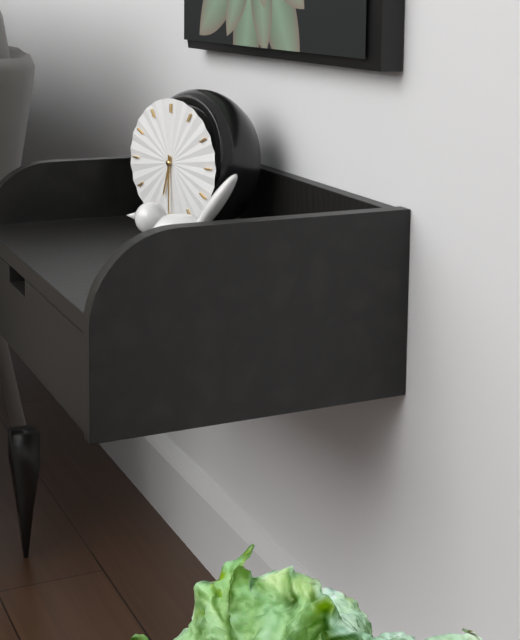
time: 6:30
